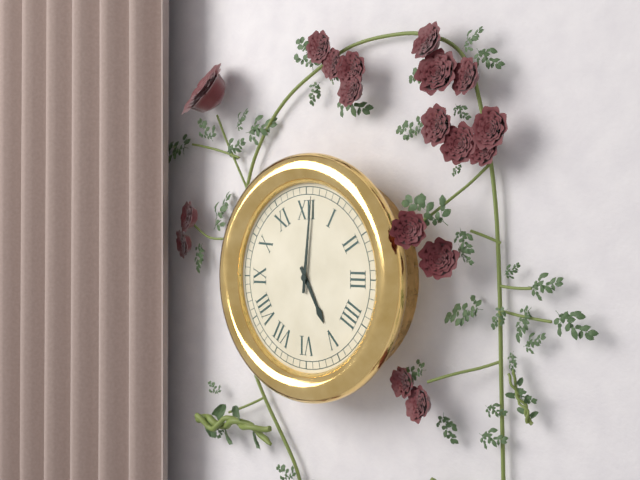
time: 5:01
